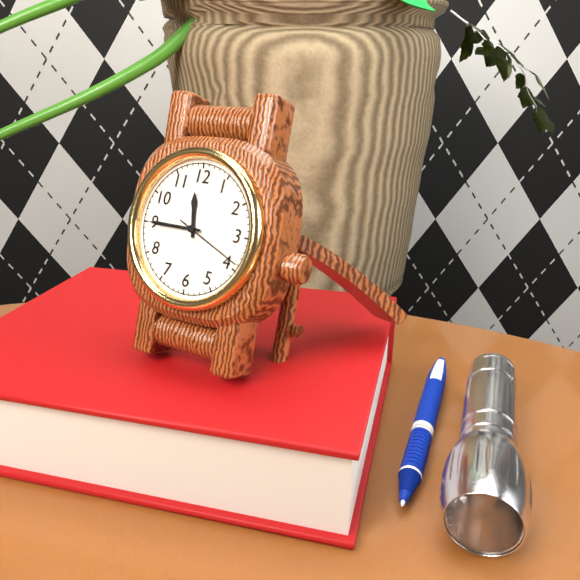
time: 11:45:19
